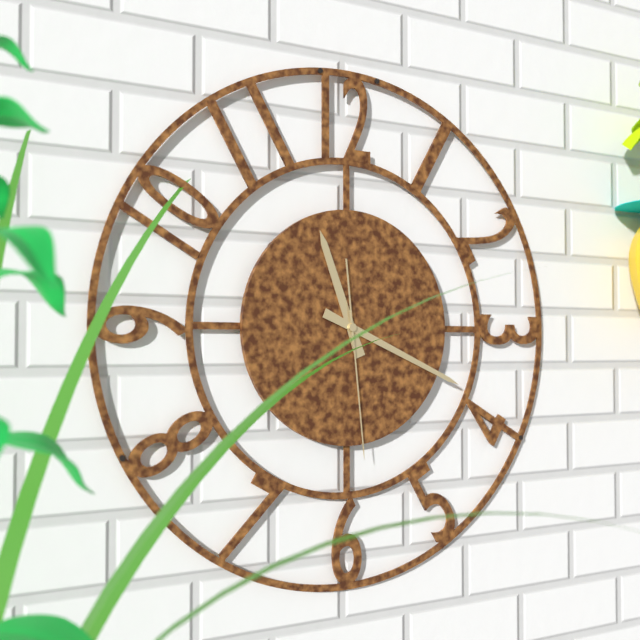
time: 11:19:29
